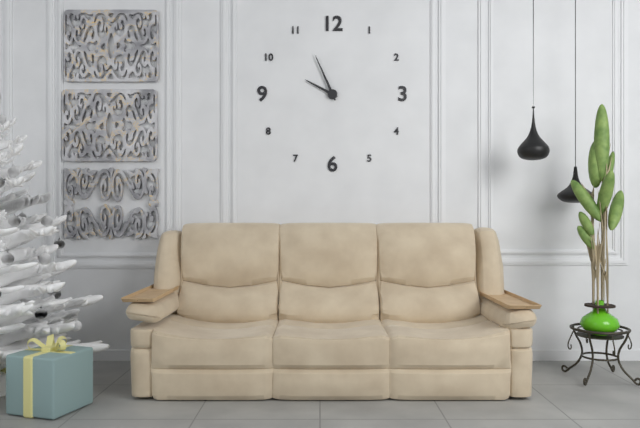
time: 9:56
